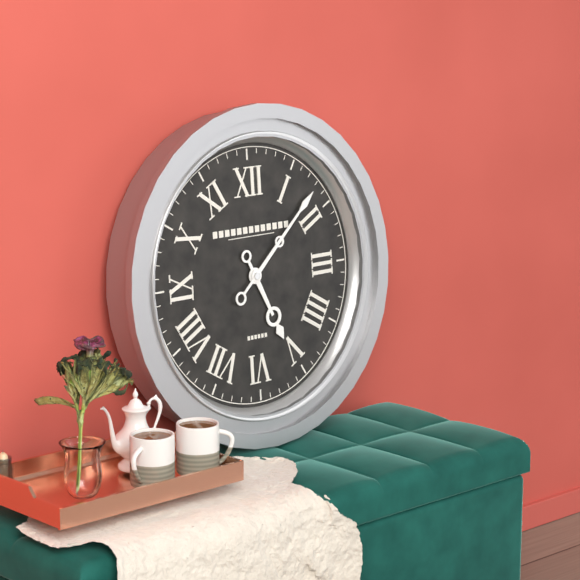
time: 5:08
